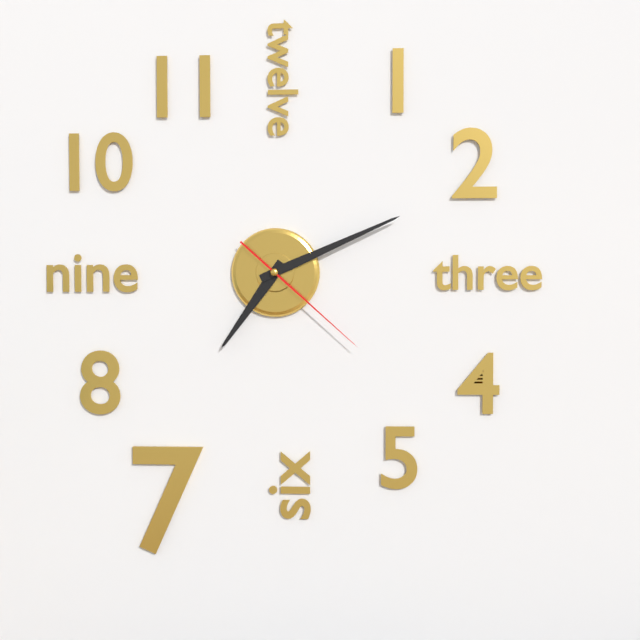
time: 7:11:22
